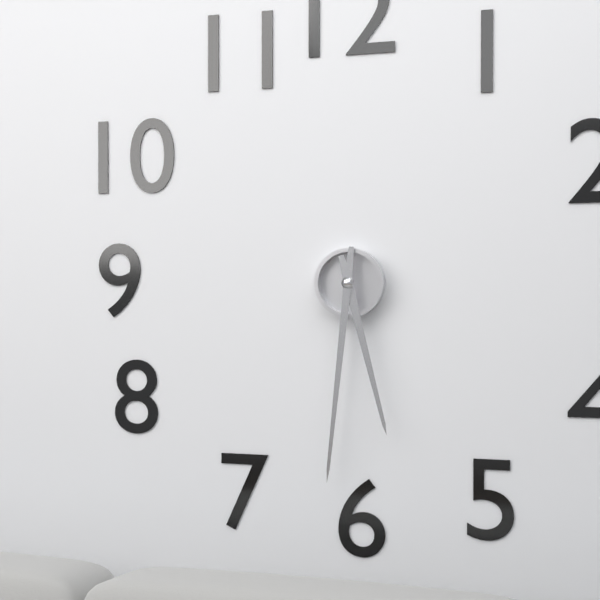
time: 5:31
